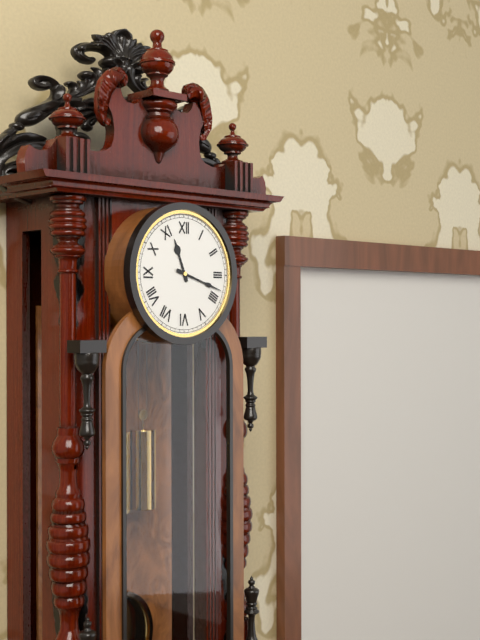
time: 11:18
